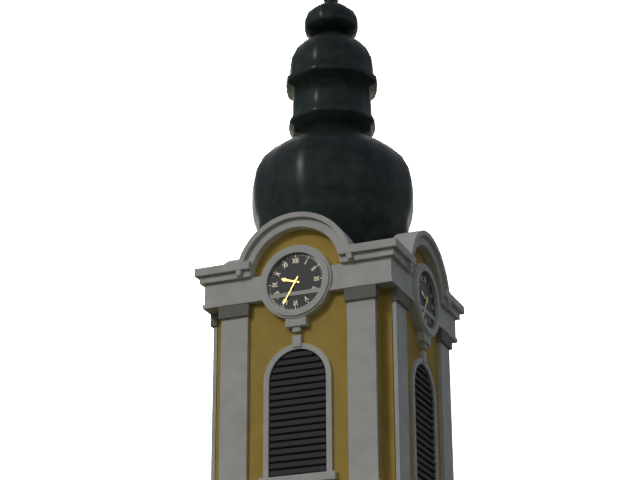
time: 9:35
